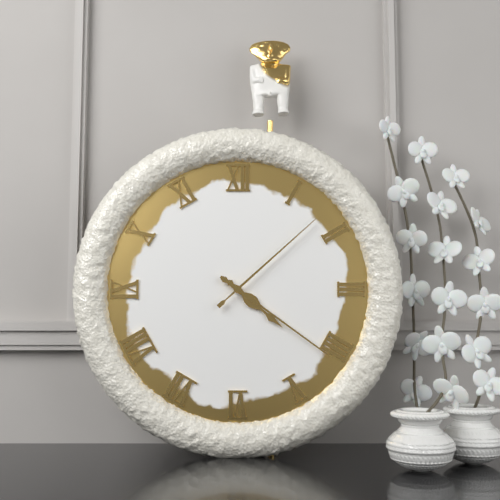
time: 4:21:08
